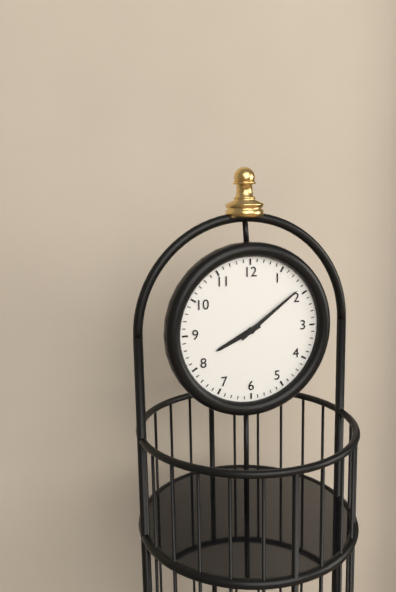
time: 8:09
